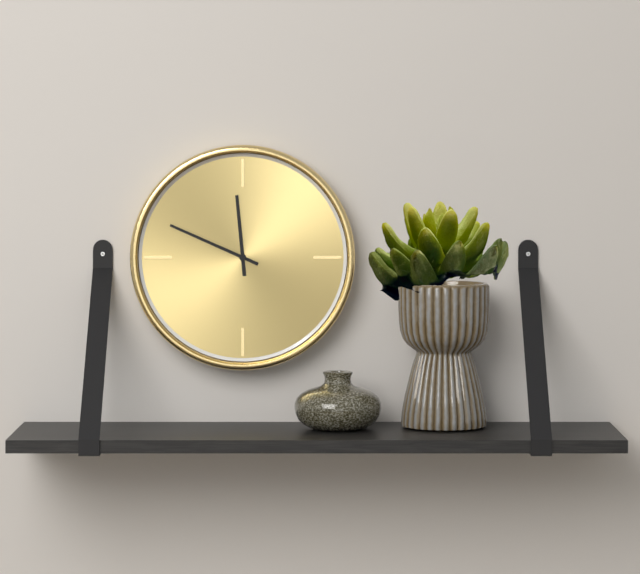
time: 11:49
